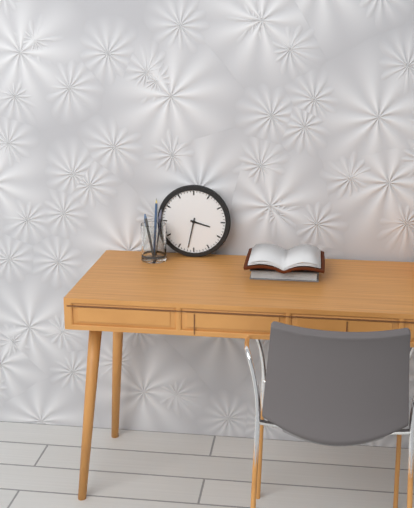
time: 3:32
